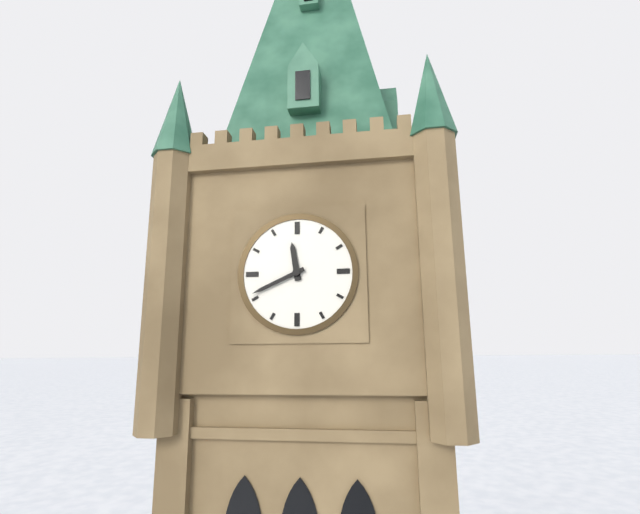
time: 11:41
